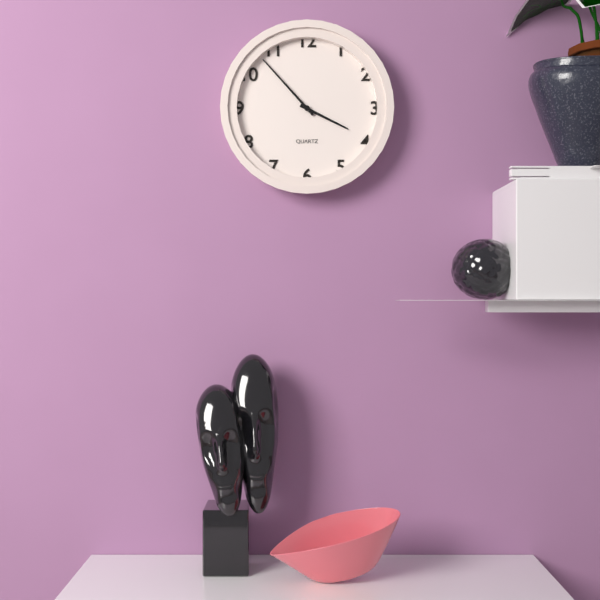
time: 3:53
